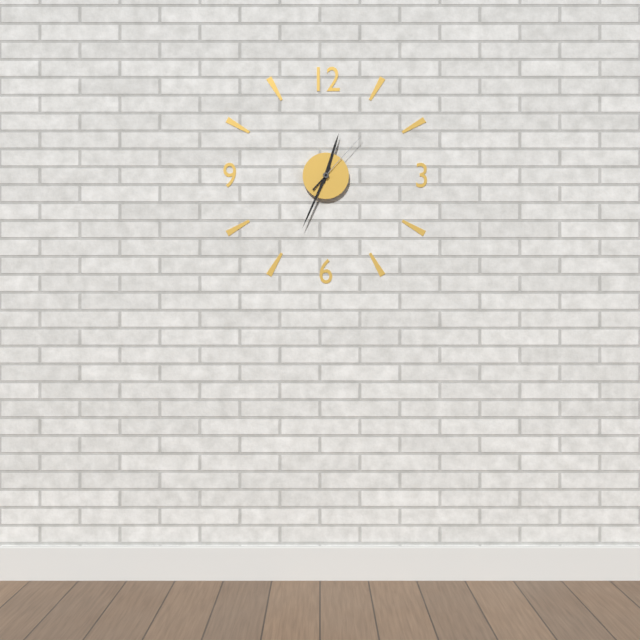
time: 12:34:07
